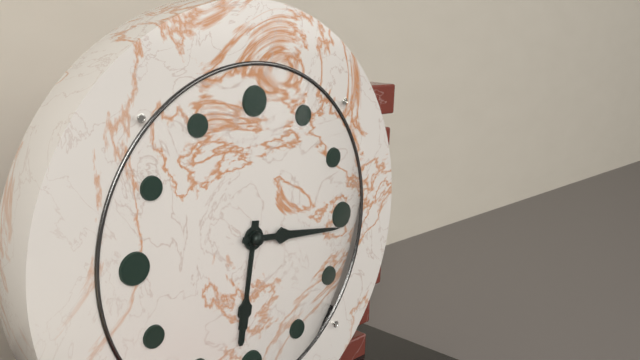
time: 6:16
